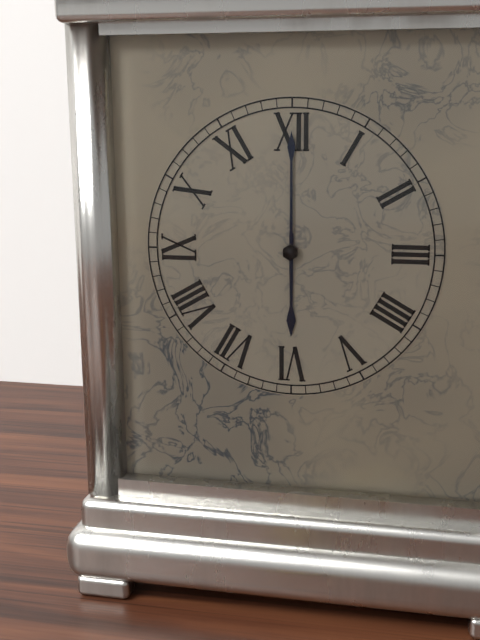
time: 6:00
